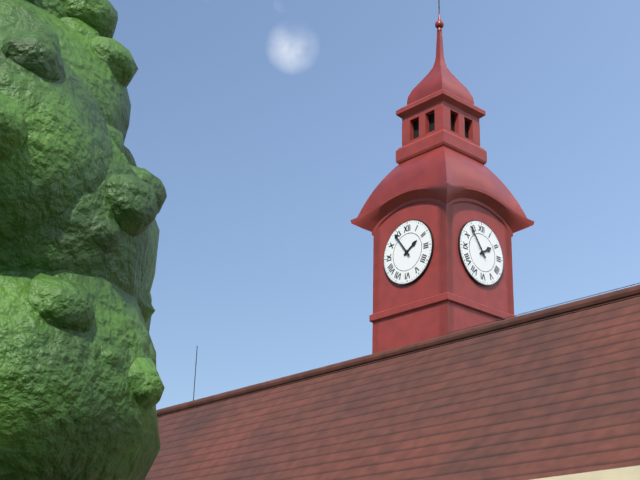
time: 1:54
